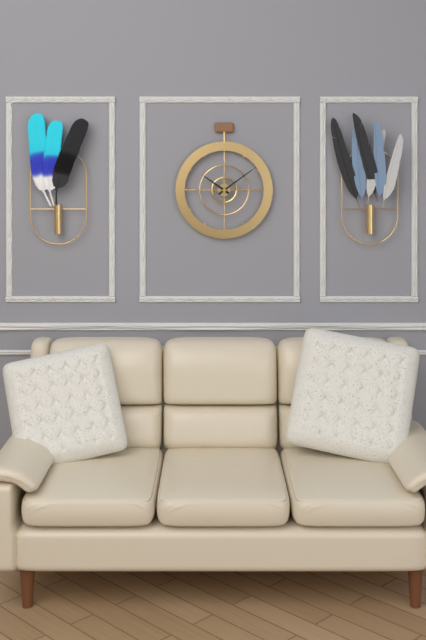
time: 10:09
